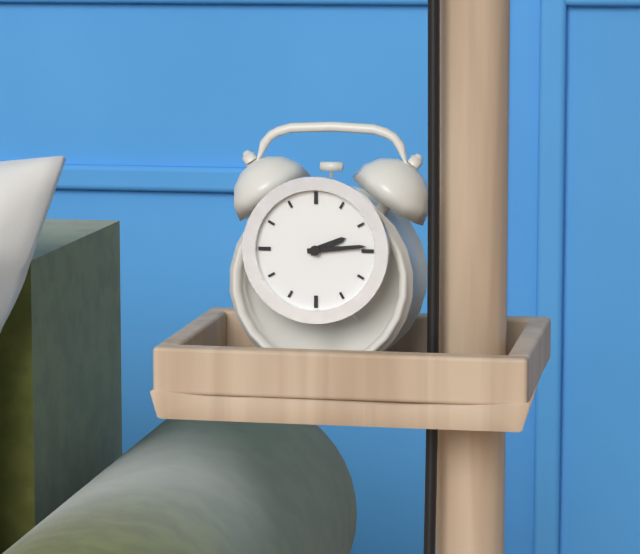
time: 2:14
